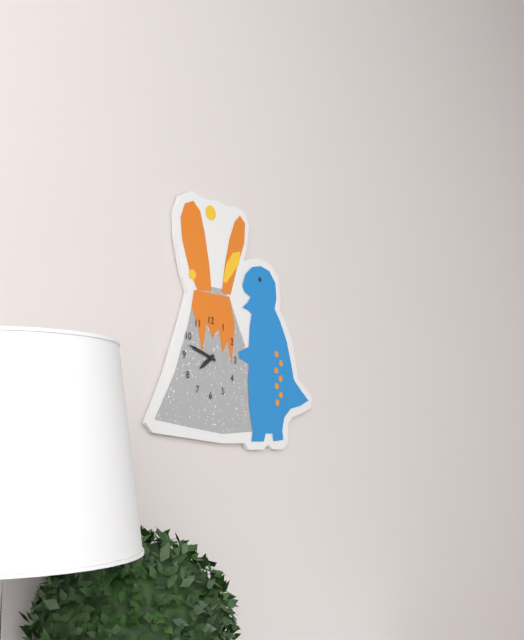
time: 7:48
